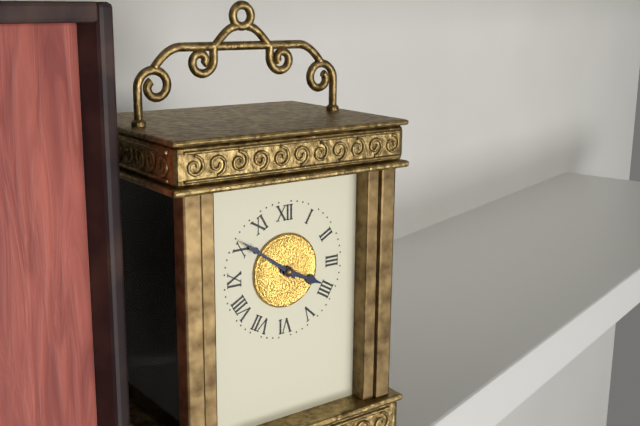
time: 3:51
